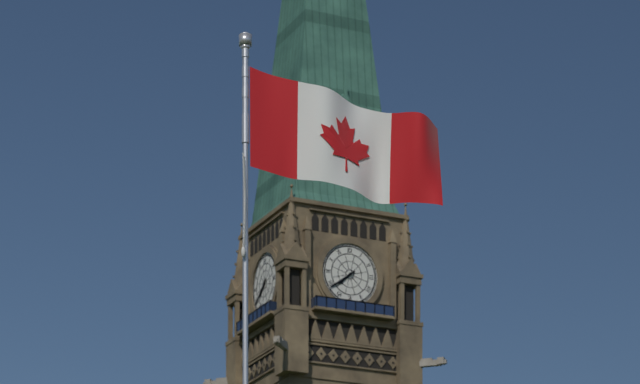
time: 7:39
